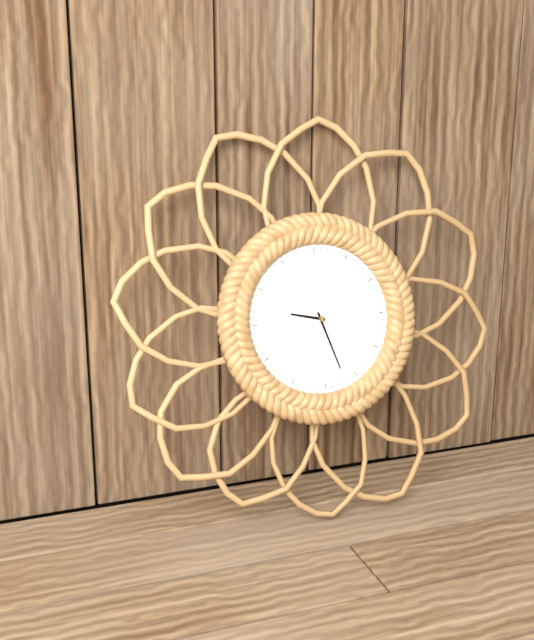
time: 9:27
